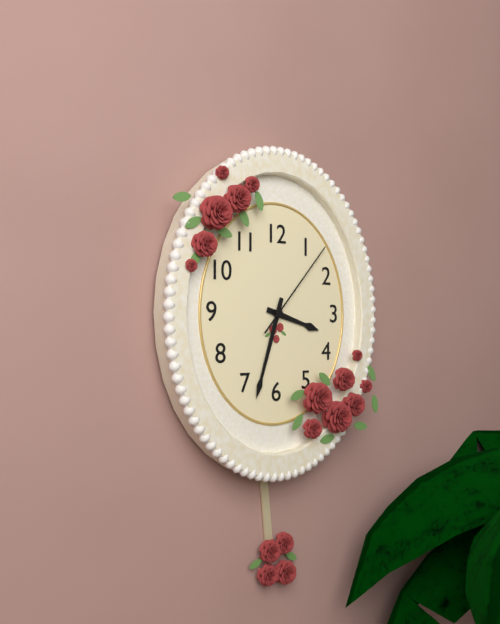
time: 3:33:07
